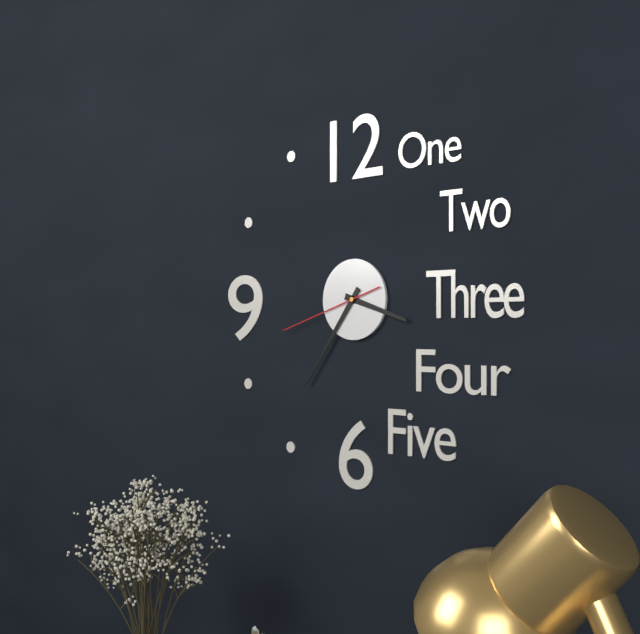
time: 3:36:42
